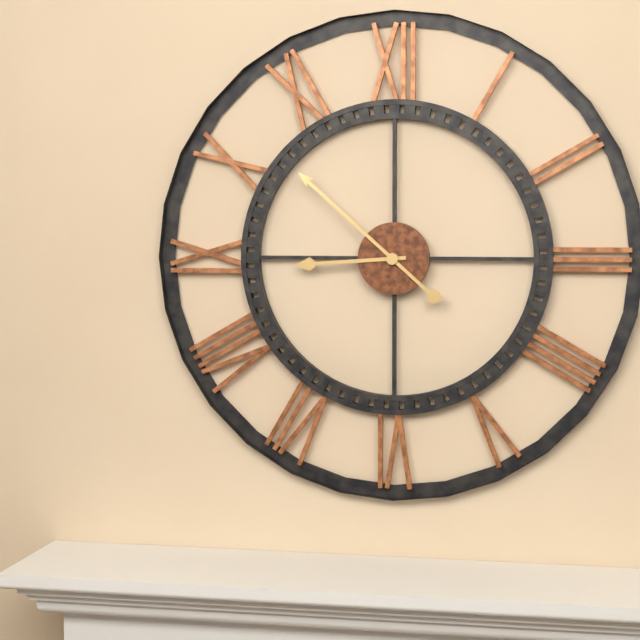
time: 8:52
